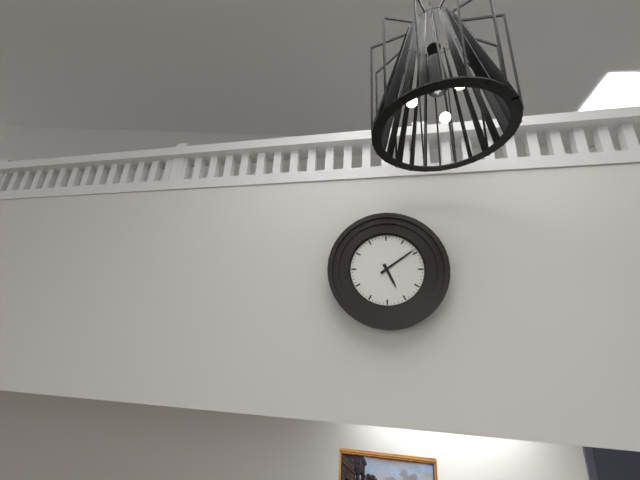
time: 5:09
